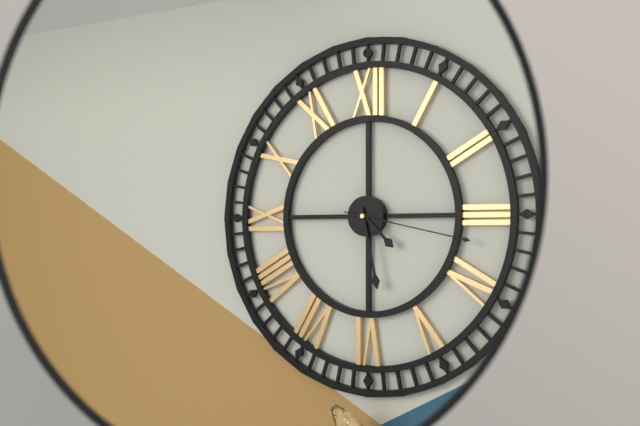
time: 4:28:17
